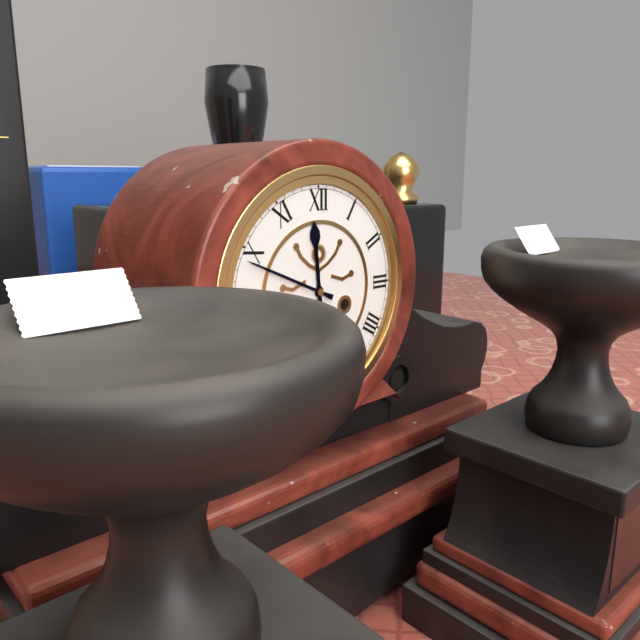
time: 11:49
